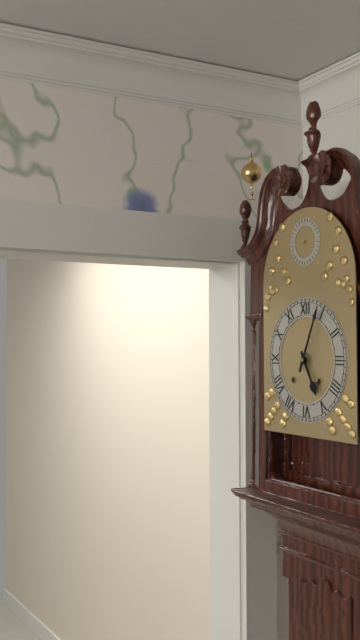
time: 5:04
